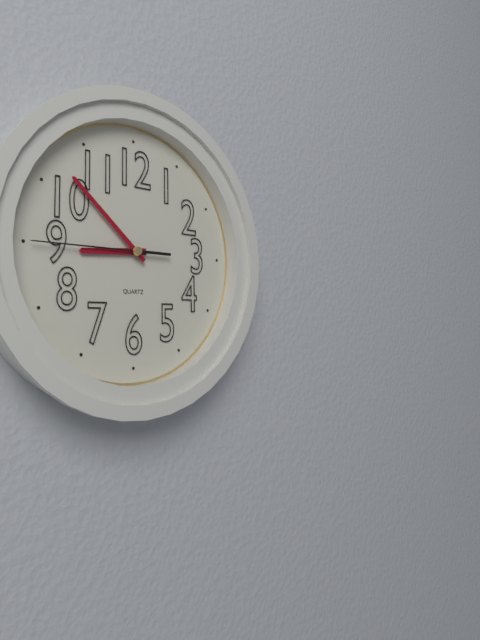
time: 8:52:45
